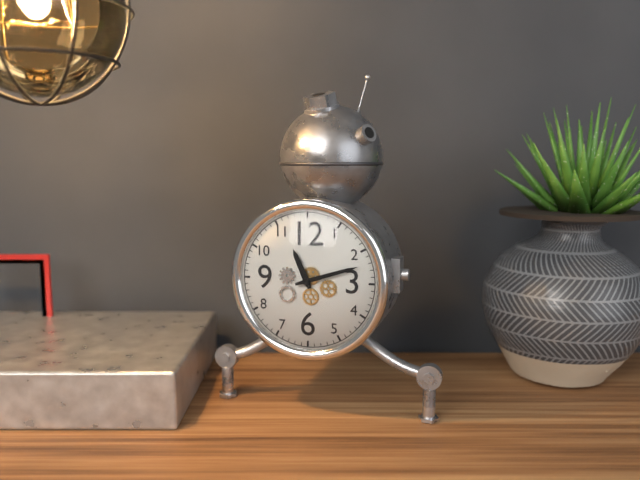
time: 11:12
